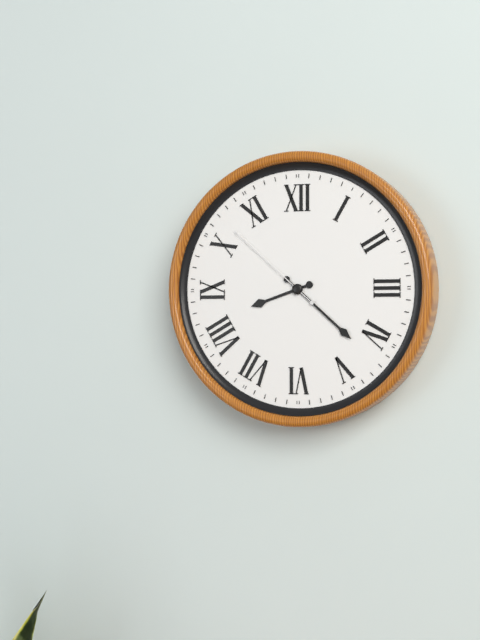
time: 8:22:52
